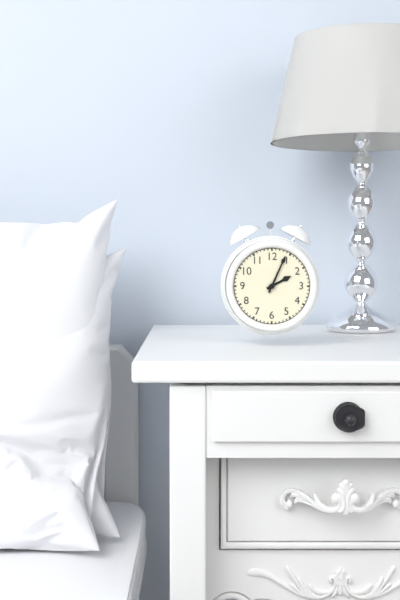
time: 2:04
